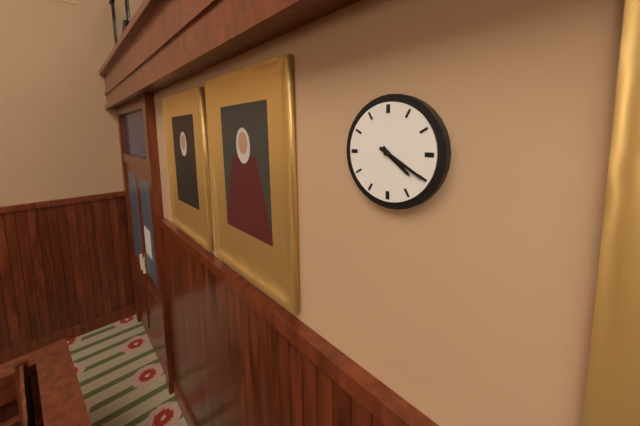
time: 4:20
